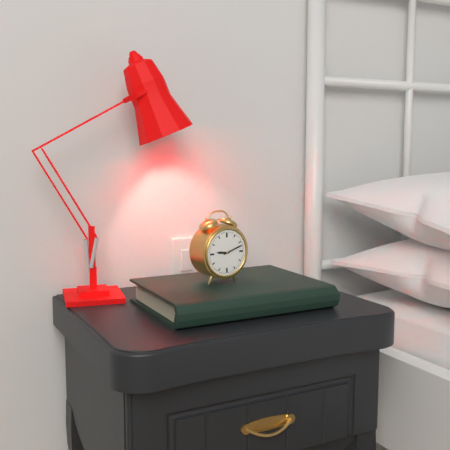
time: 9:12
